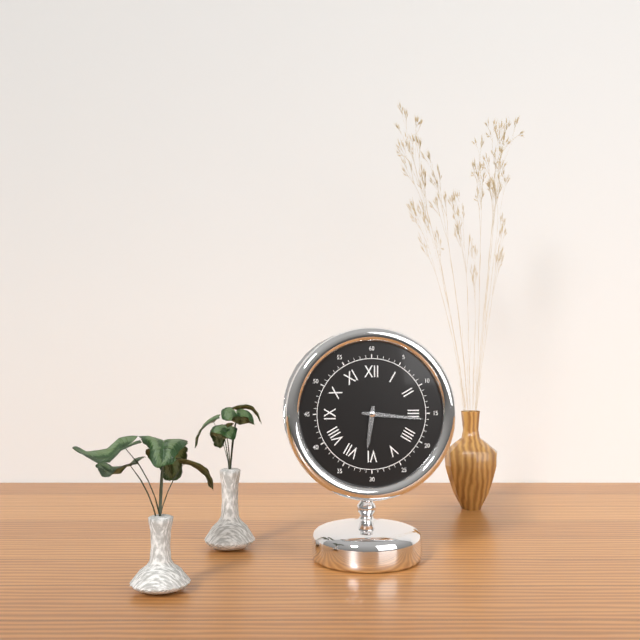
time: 6:16
